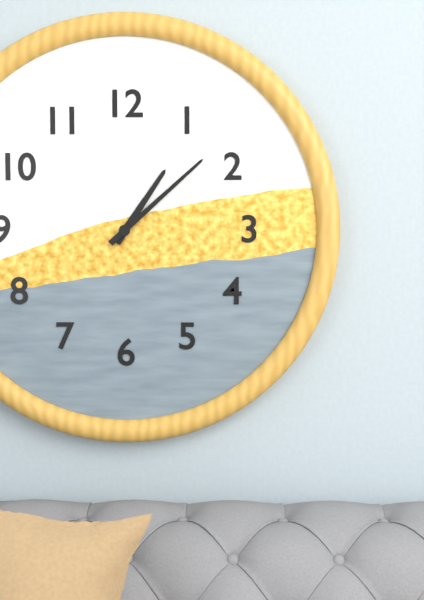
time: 1:08
